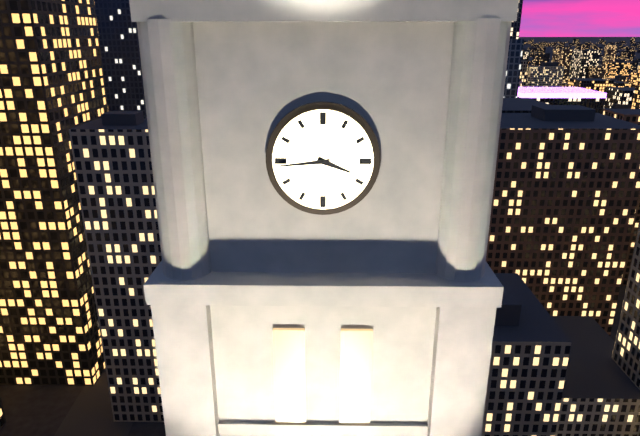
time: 3:44
